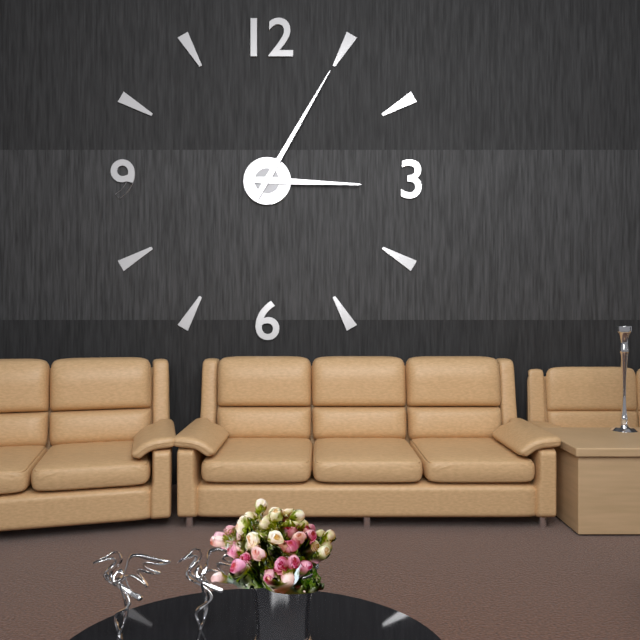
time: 3:05
